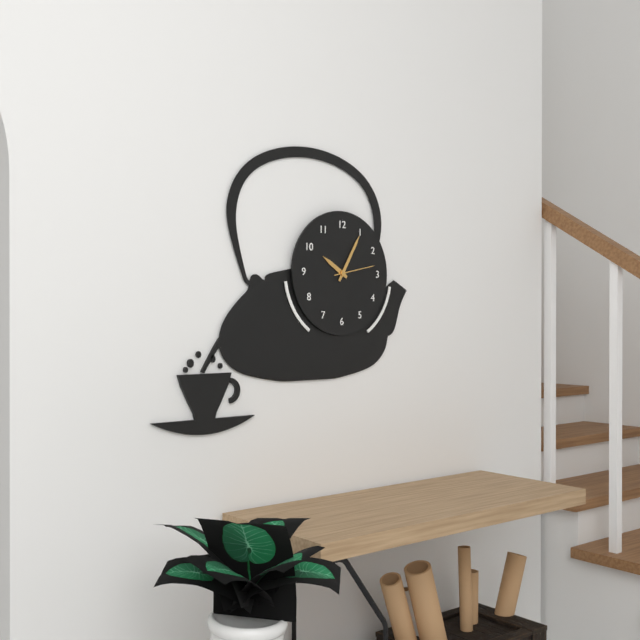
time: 10:05
